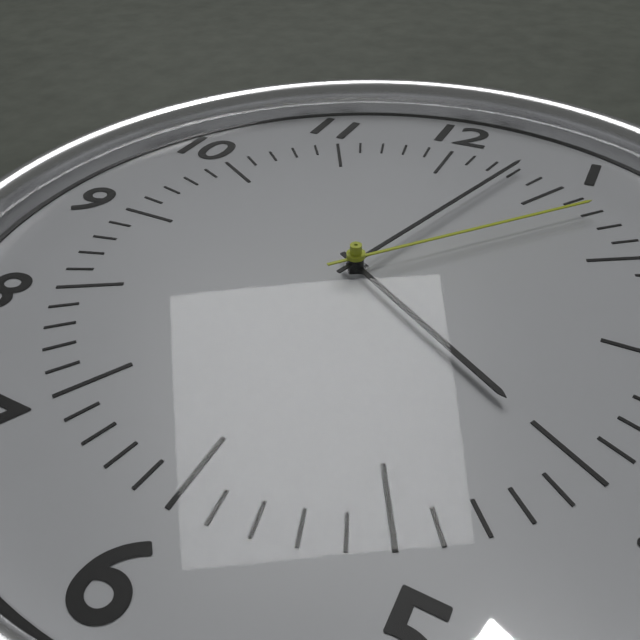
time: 4:03:07
